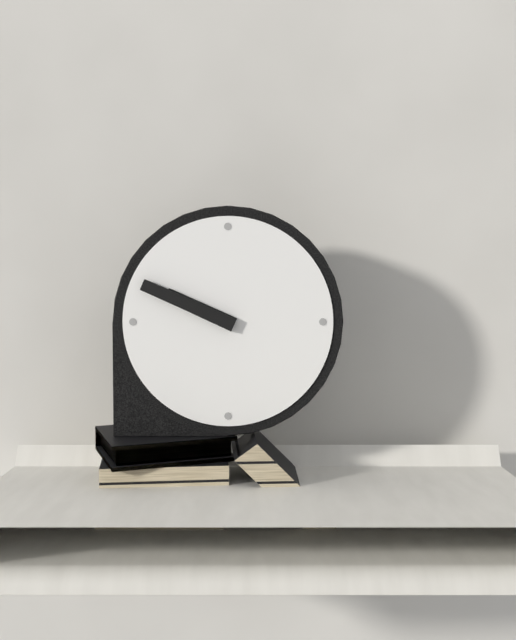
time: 9:49
